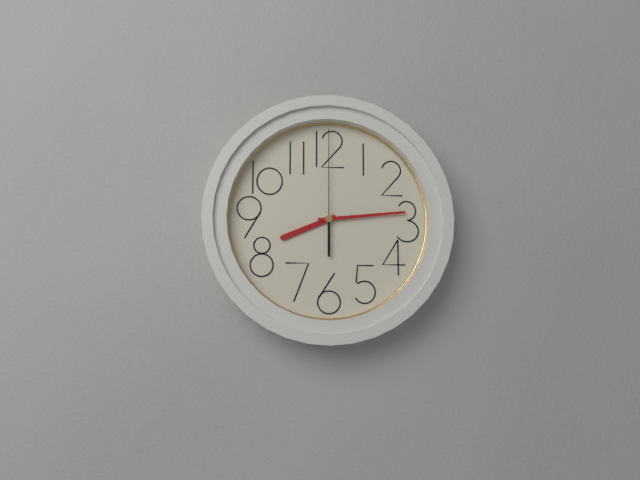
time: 8:14:00
